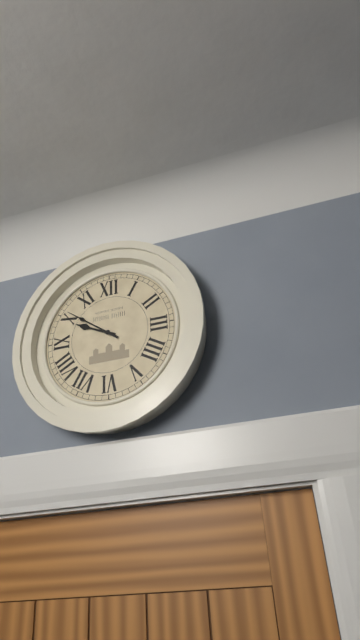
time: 9:51
